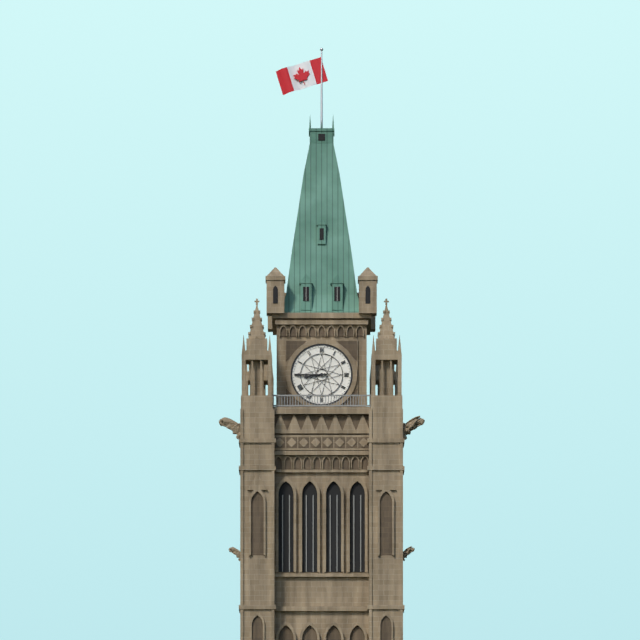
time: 8:45
